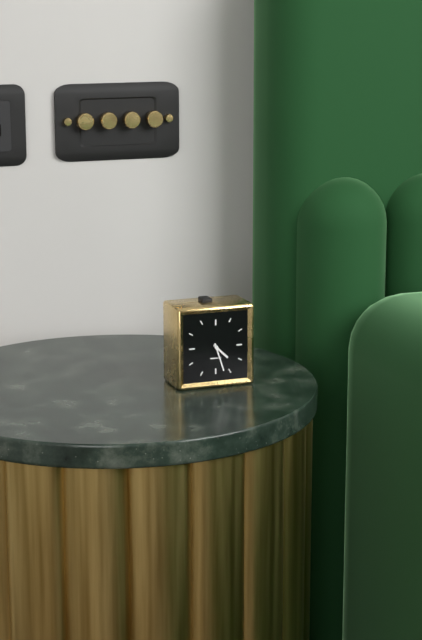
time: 4:27
